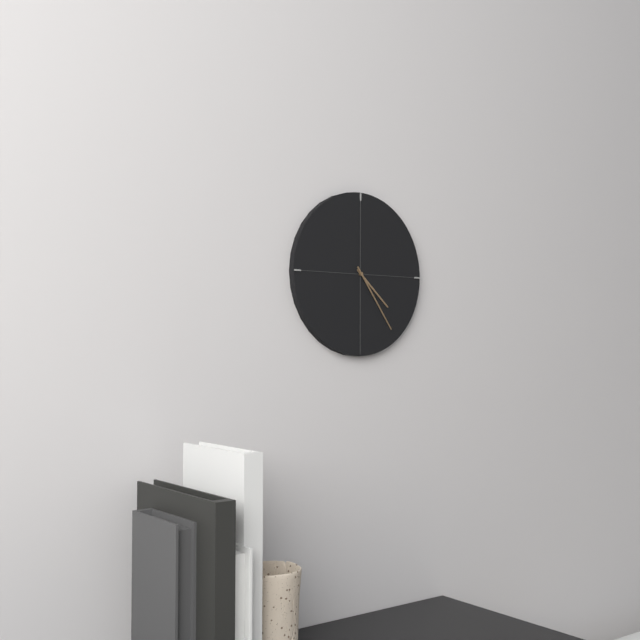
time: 4:24
